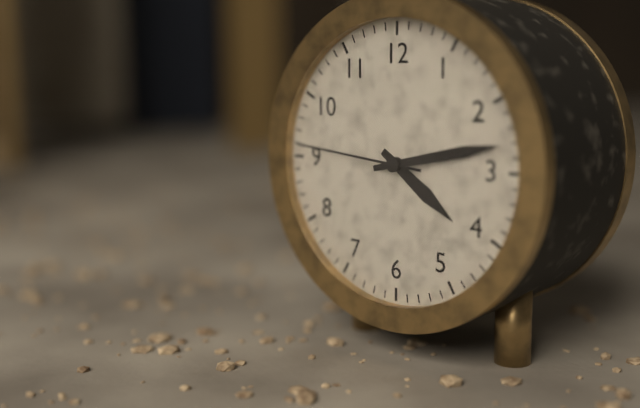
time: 4:13:46
